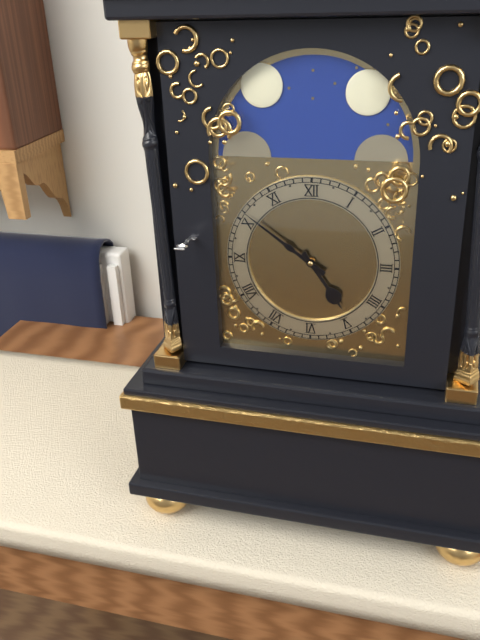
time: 4:51
